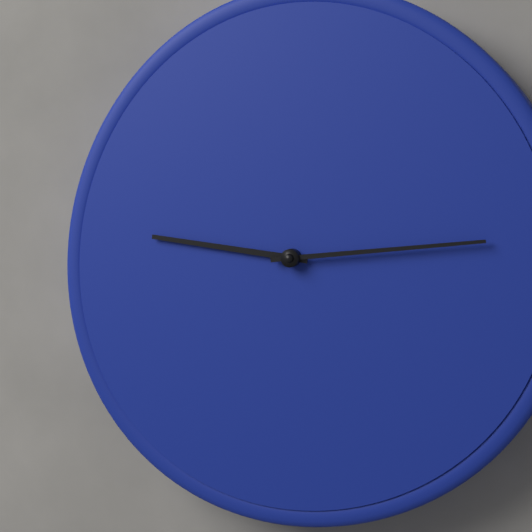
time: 9:14
